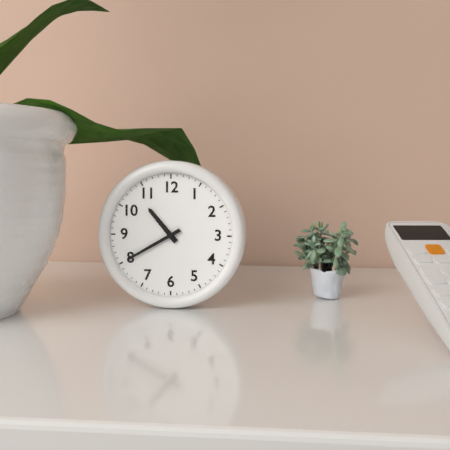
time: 10:40
